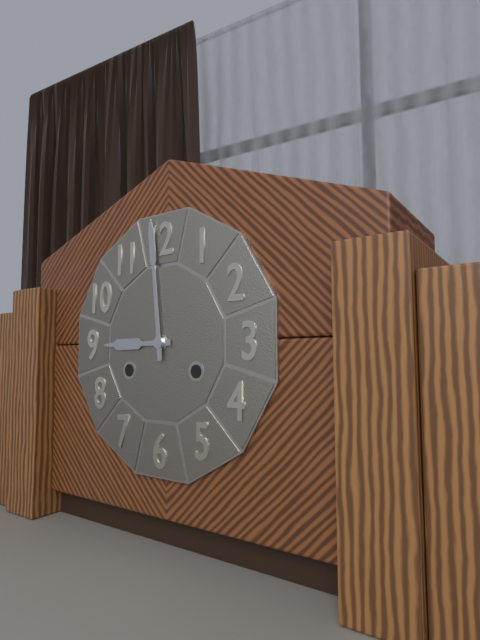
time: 8:59
